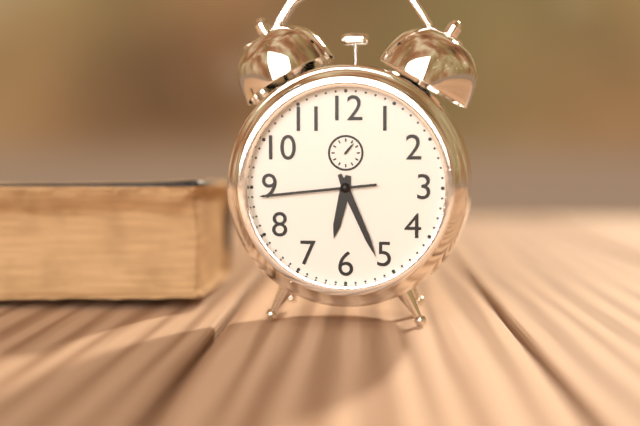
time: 6:26:44
